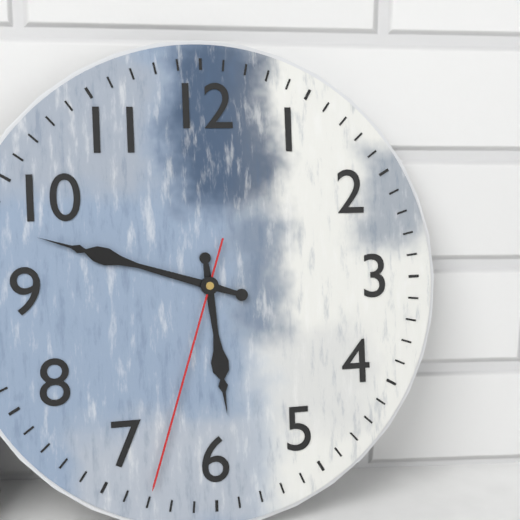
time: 5:48:33
